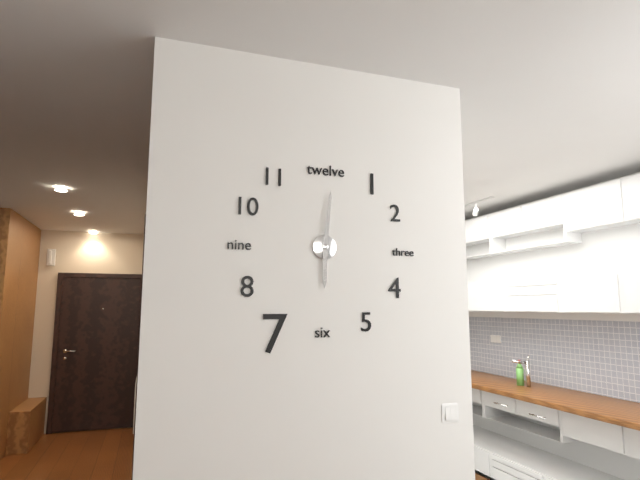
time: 6:01
